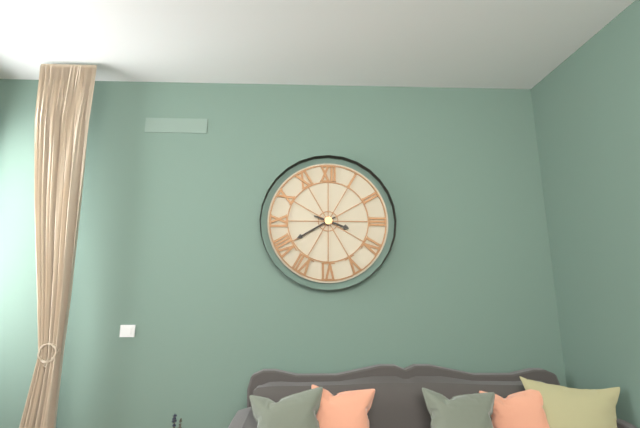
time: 3:40
